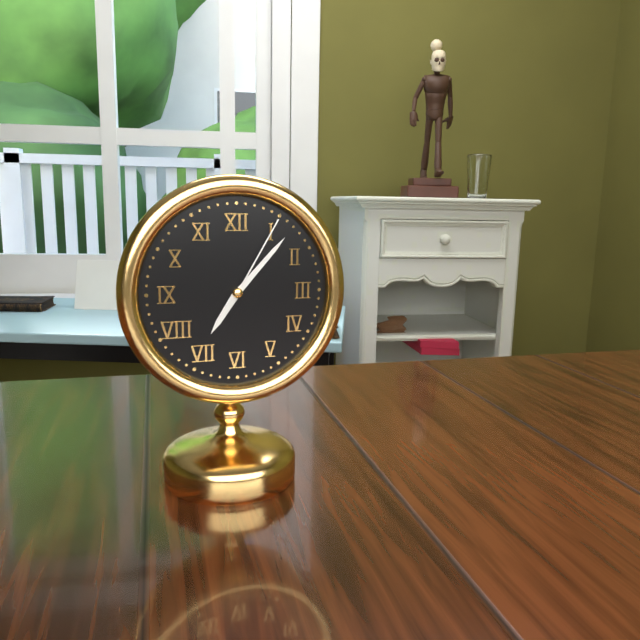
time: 7:07:05
